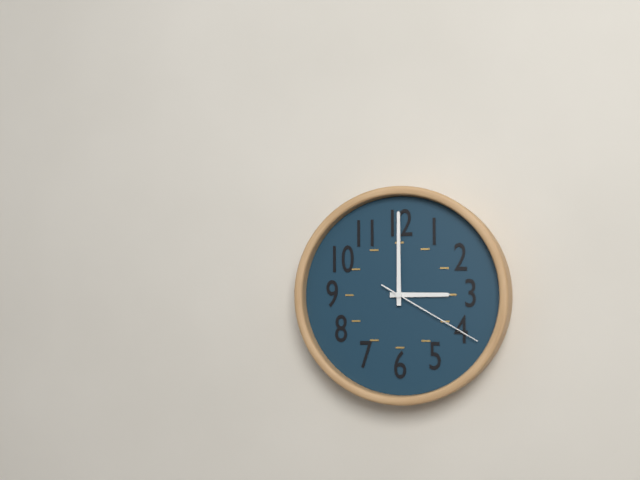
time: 3:00:20
